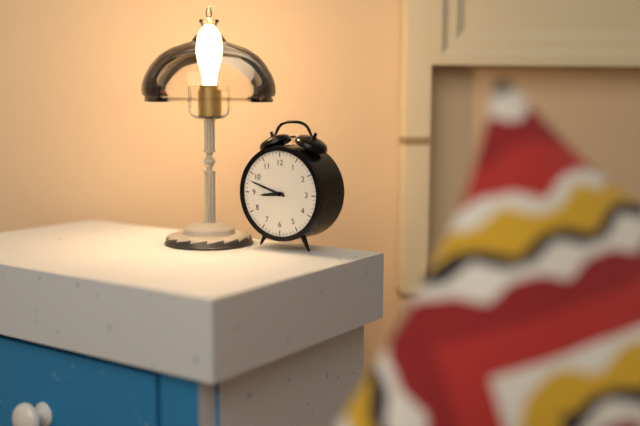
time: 8:48
